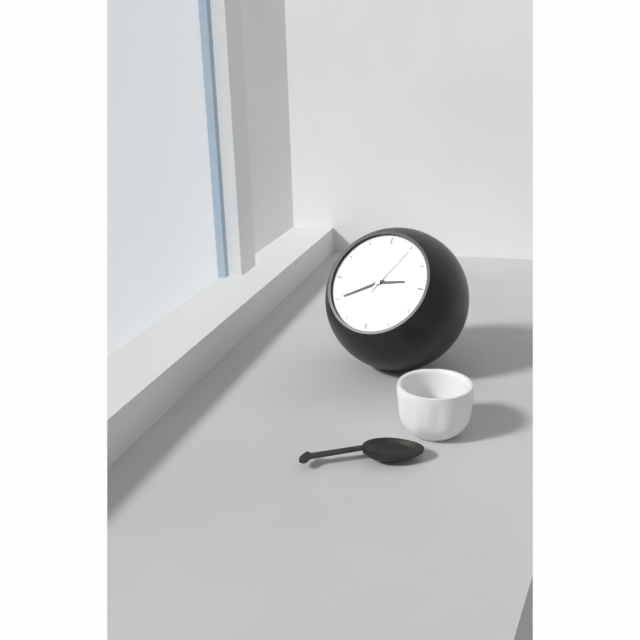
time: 2:40:05
